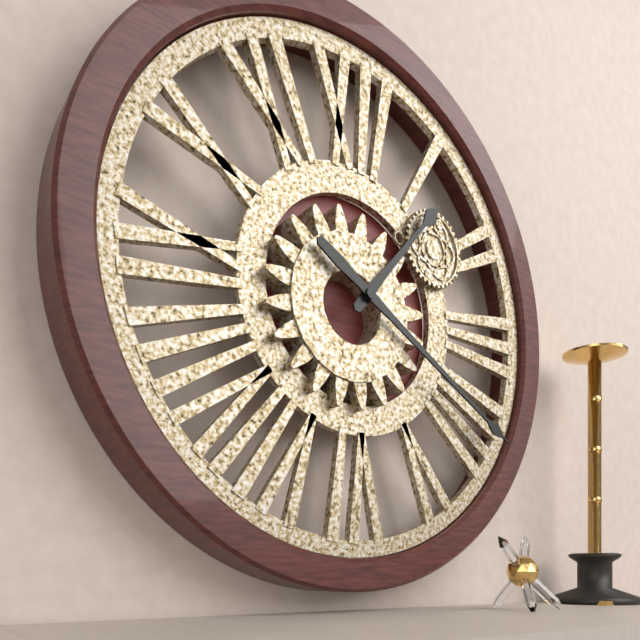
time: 1:20
